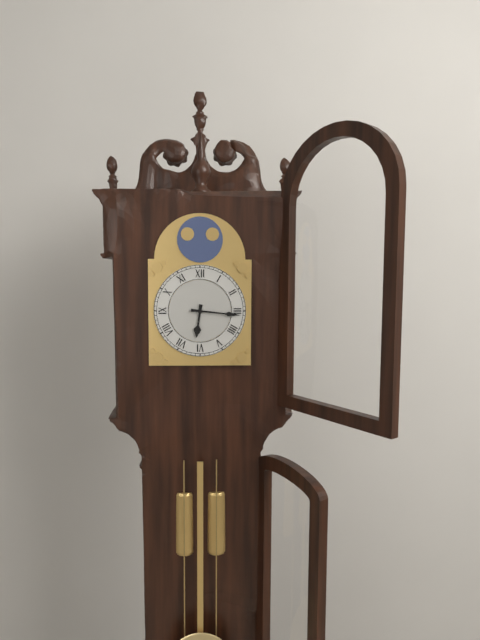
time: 6:16
